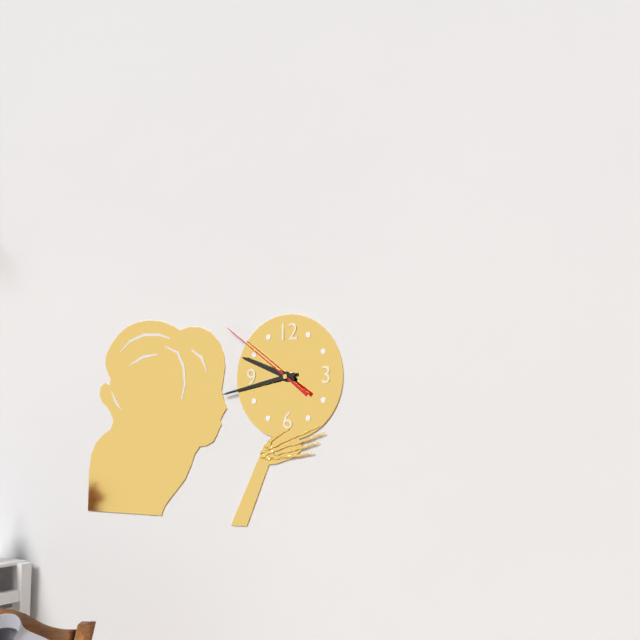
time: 9:43:51
